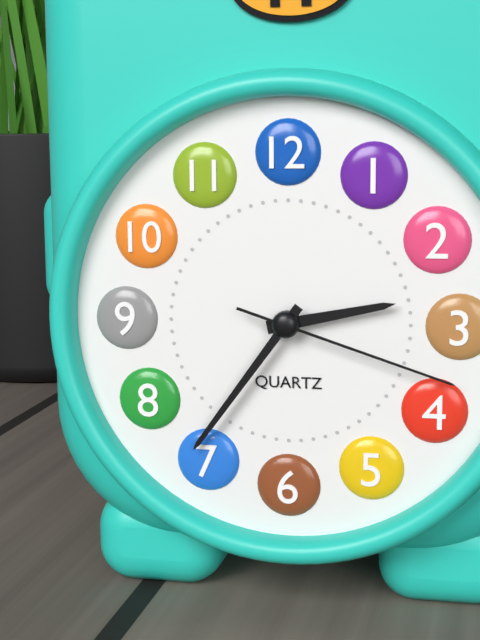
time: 2:36:18
